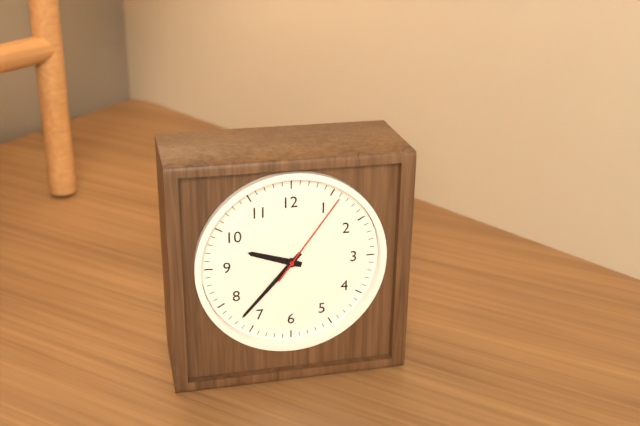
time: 9:37:06
